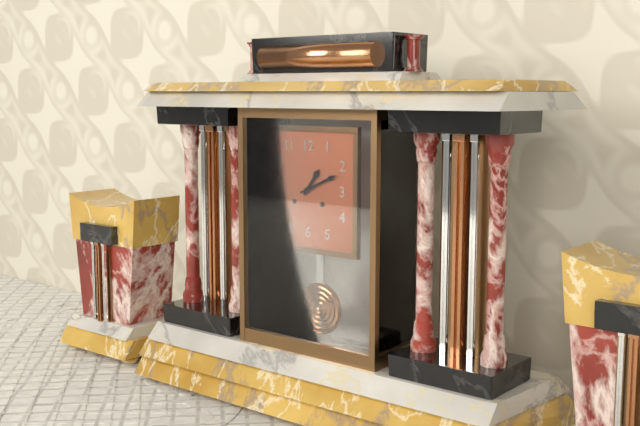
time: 1:11
